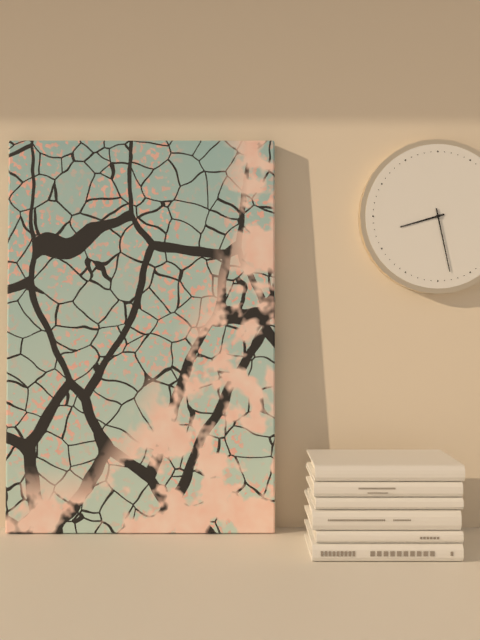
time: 8:28
